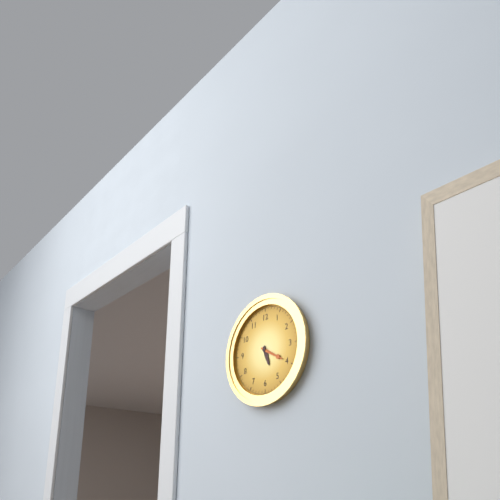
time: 5:20
